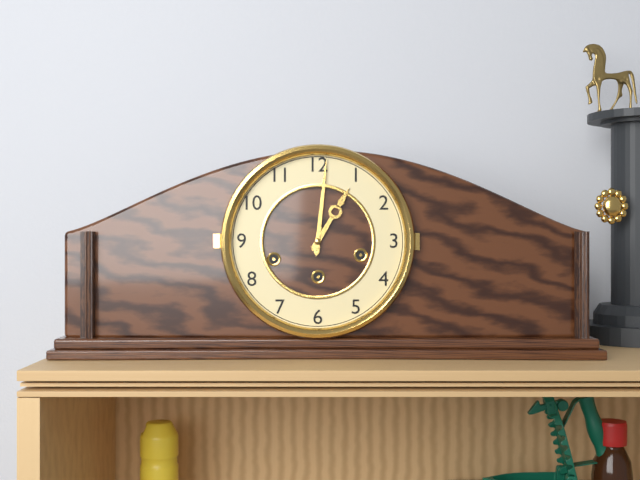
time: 1:01
